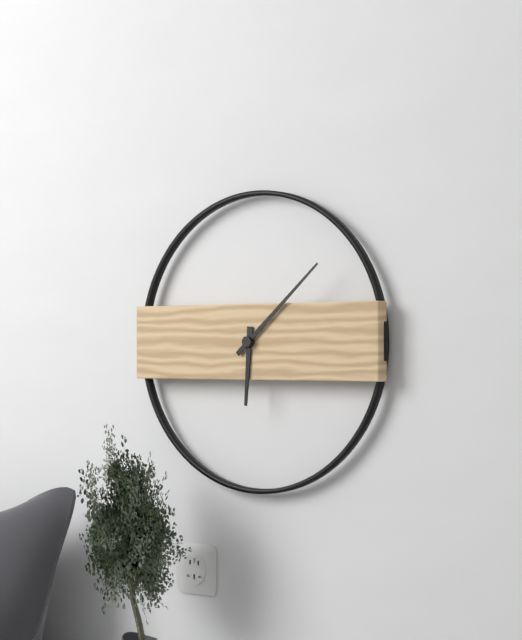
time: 6:08
